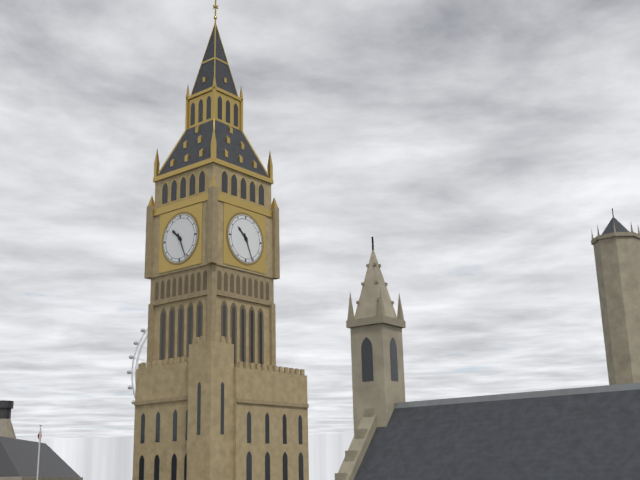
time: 10:26
